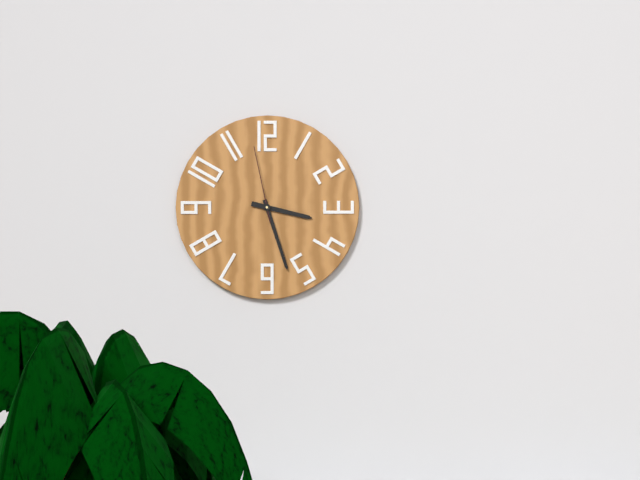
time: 3:27:58
